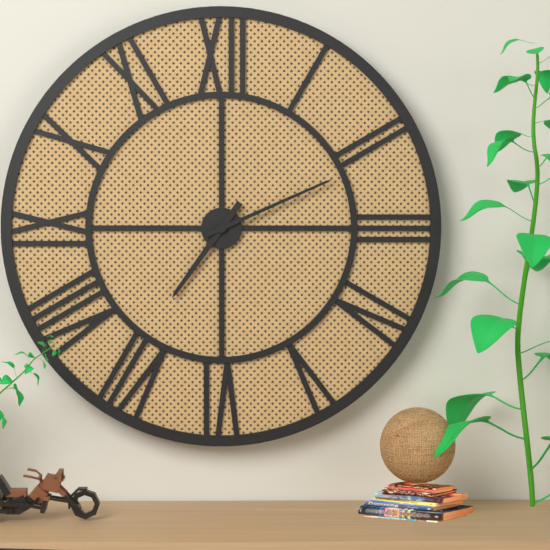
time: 7:11
